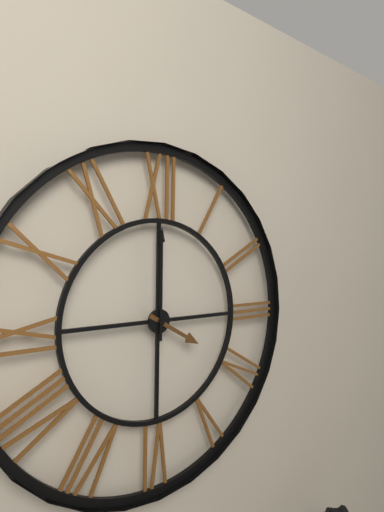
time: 4:00
